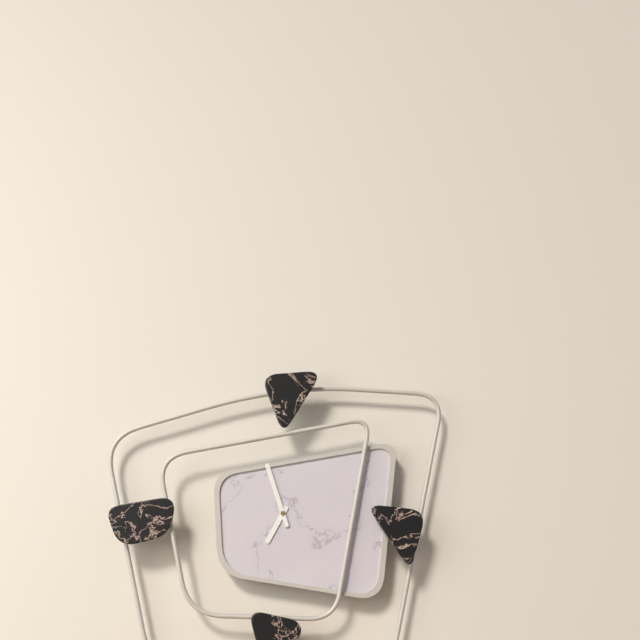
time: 6:57
